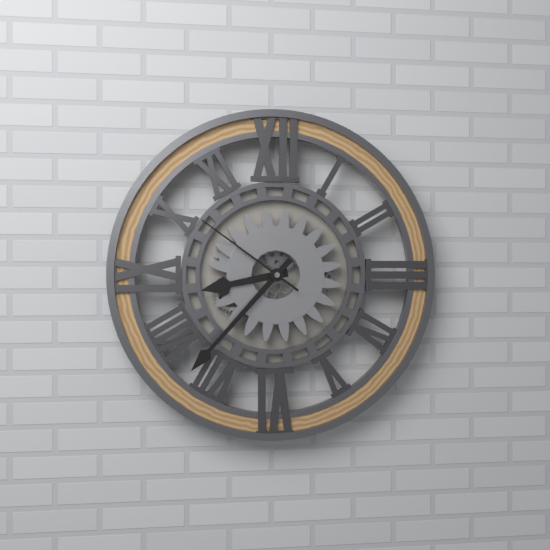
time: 8:37:51
